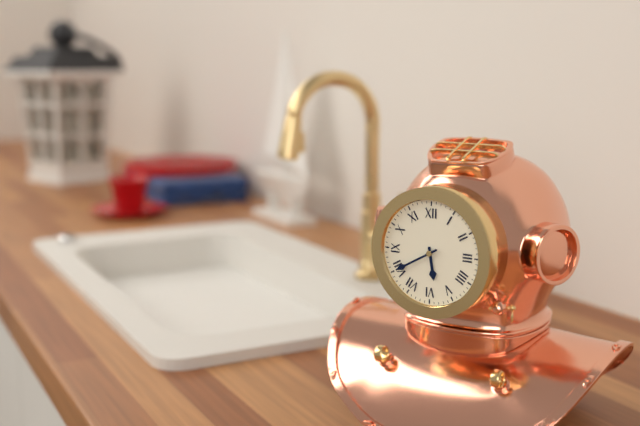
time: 5:40
